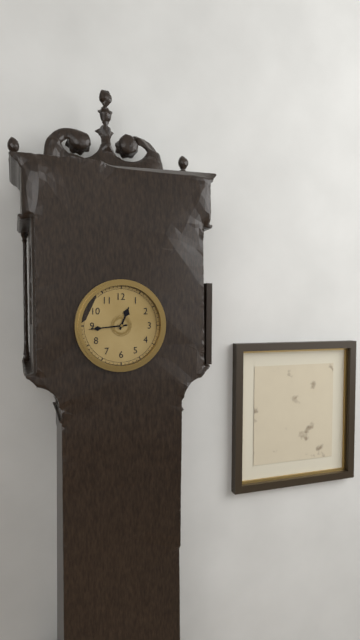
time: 12:44
